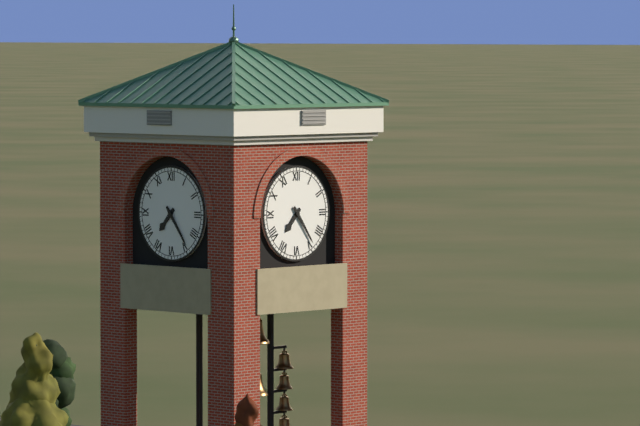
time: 7:24
